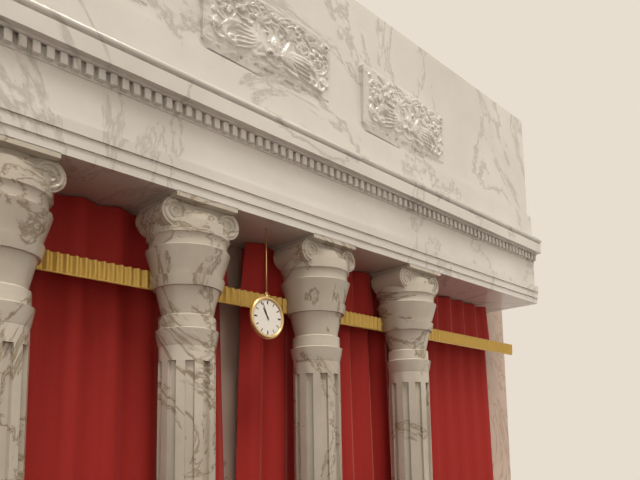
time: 10:56
